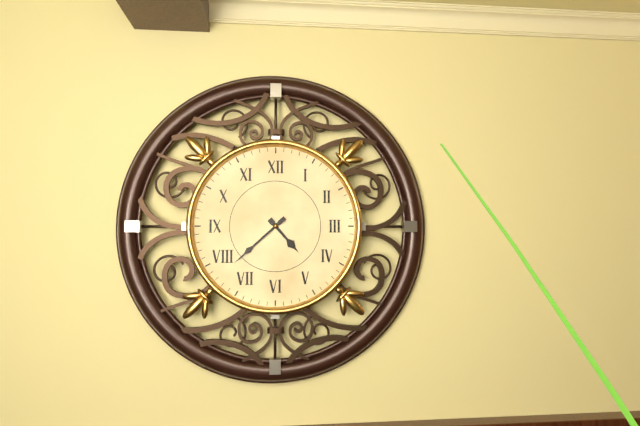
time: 4:38
